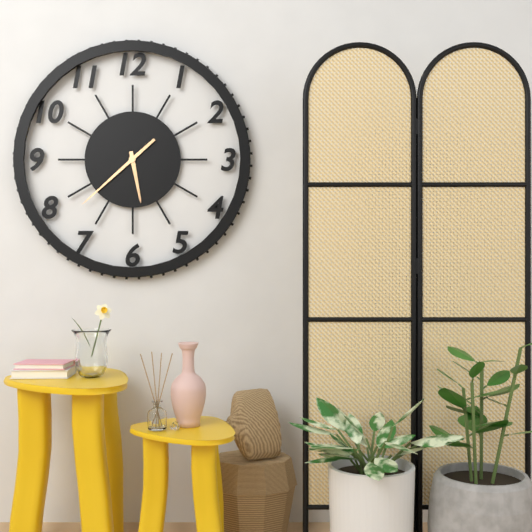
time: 5:38
